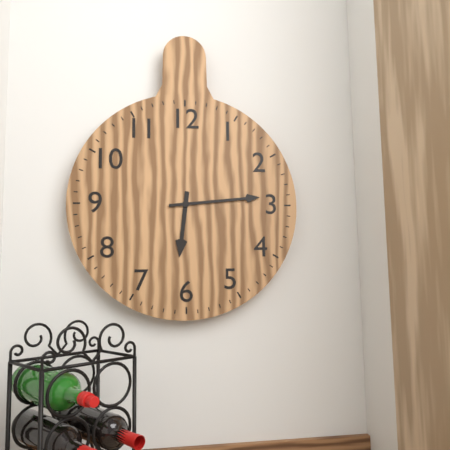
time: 6:14
